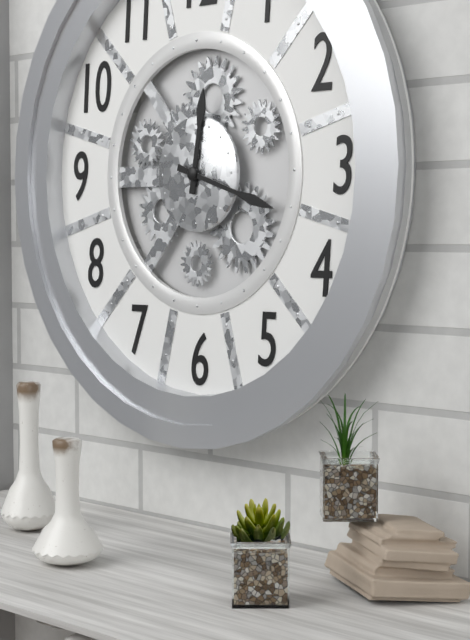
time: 12:18
